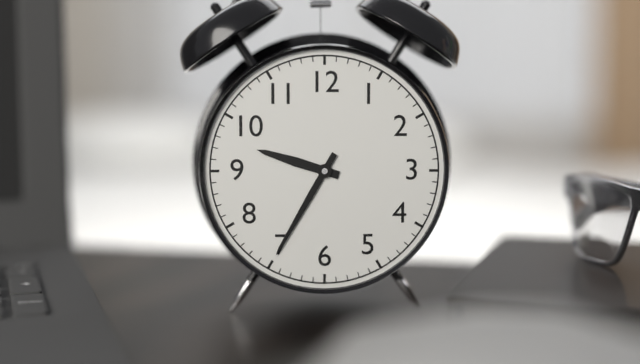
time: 9:35
